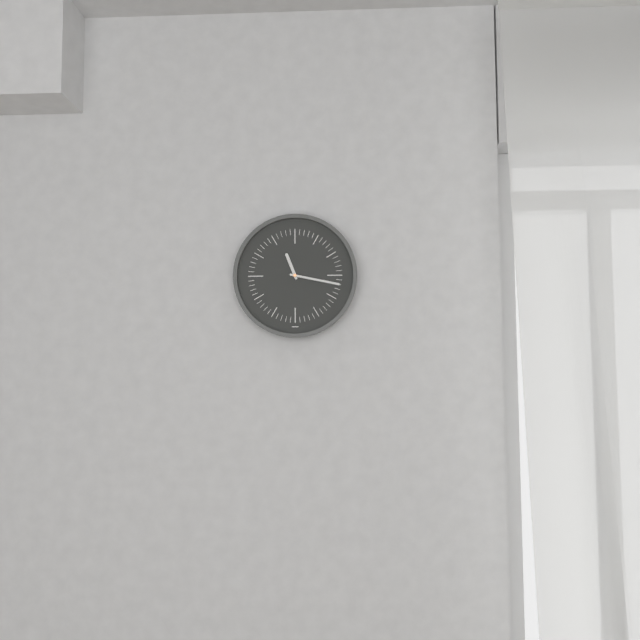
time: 11:17
